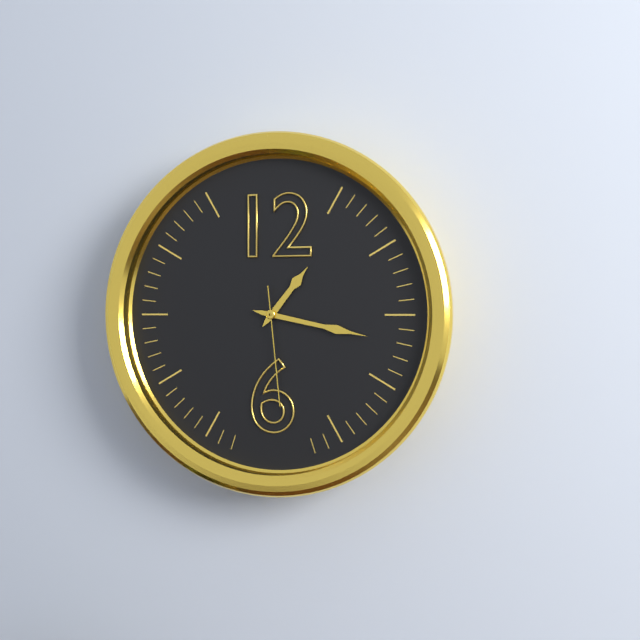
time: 1:17:29
